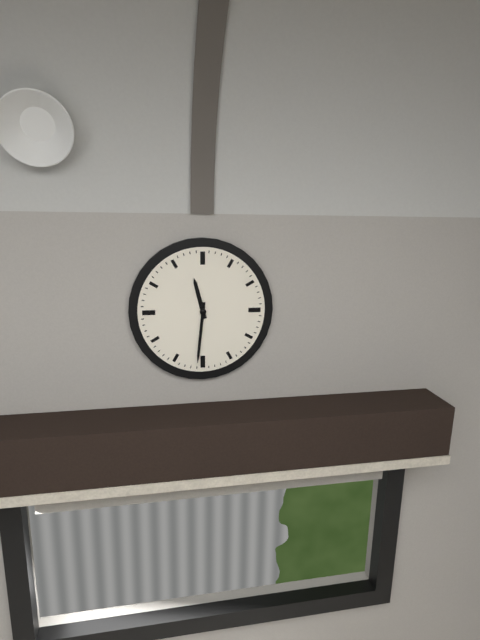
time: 11:31
